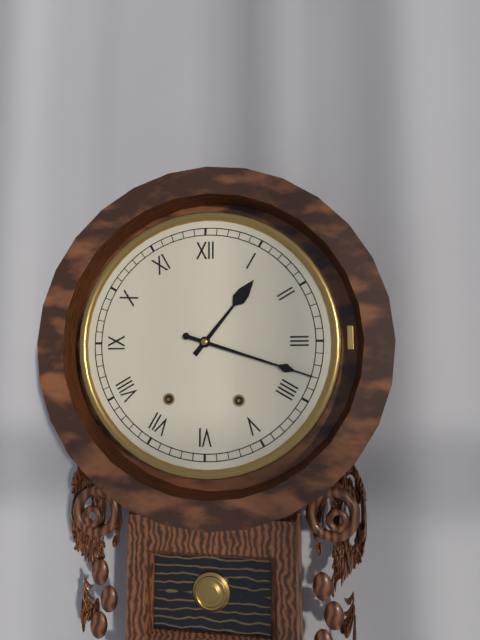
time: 1:18
